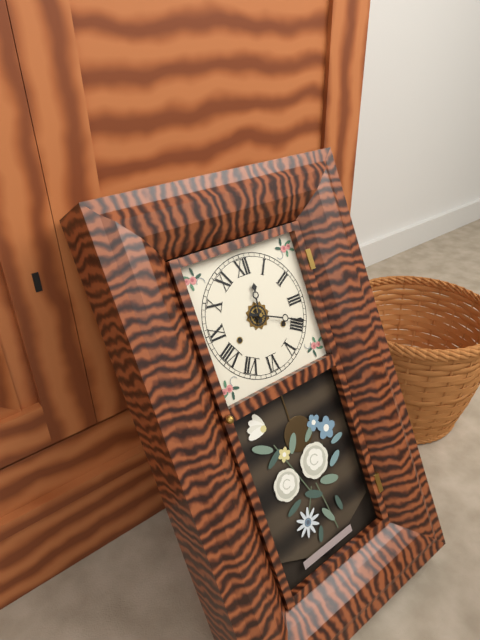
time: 12:19
